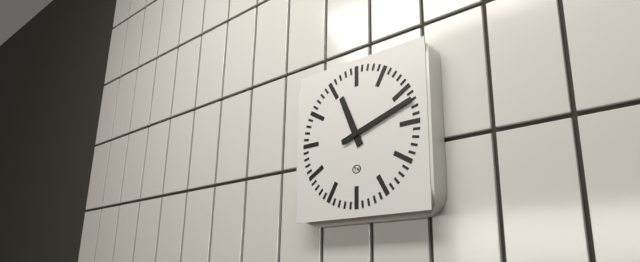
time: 11:12
